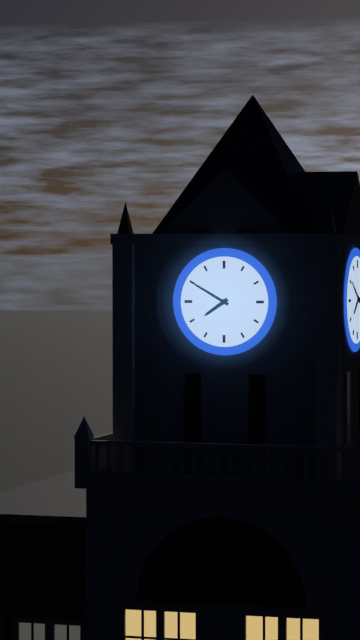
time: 7:50
